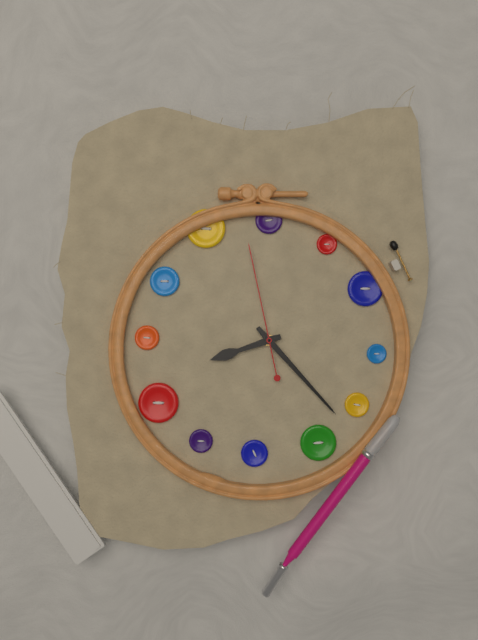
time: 8:23:58
